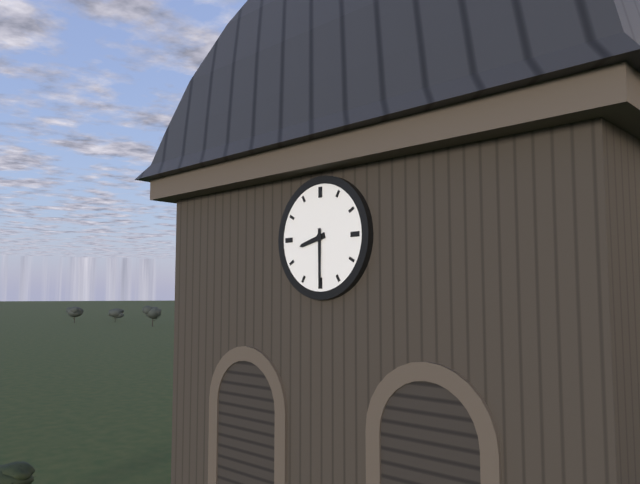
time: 8:30
